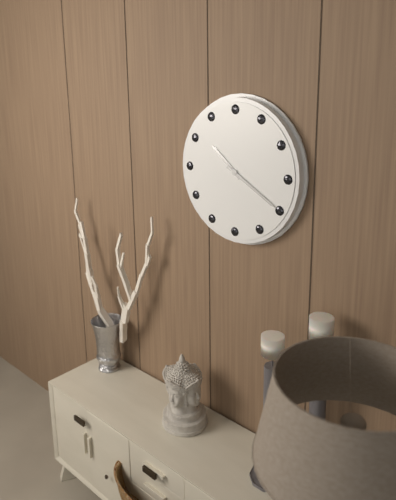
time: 10:20
